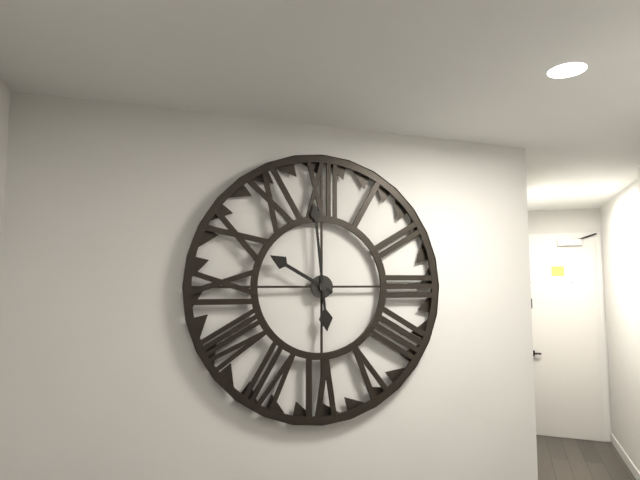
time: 9:59
